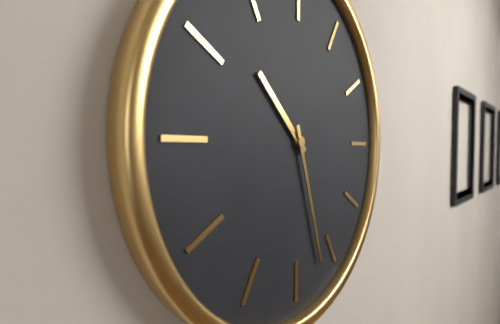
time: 10:27
